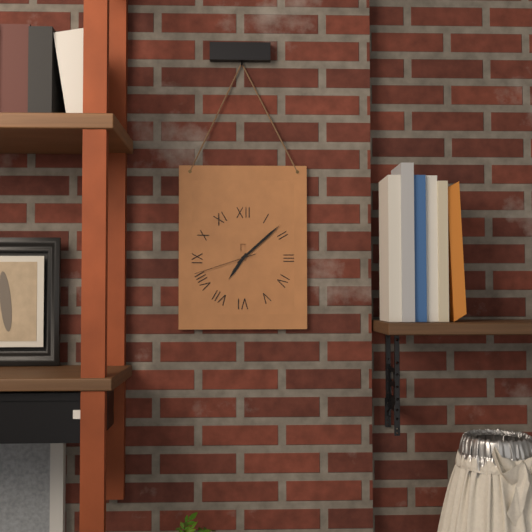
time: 7:08:42
